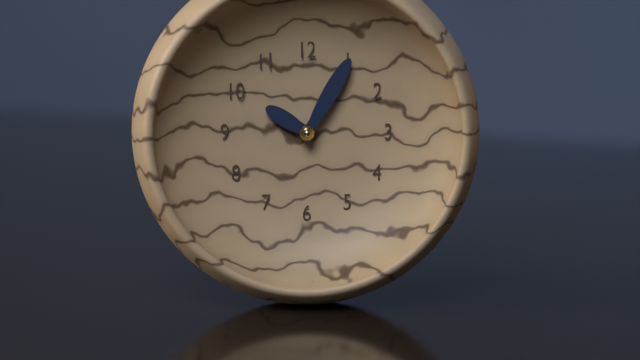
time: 10:05
